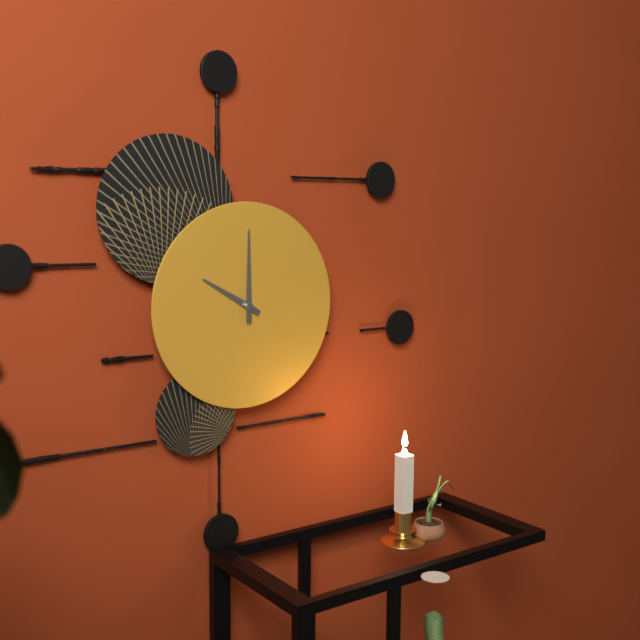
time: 10:00
